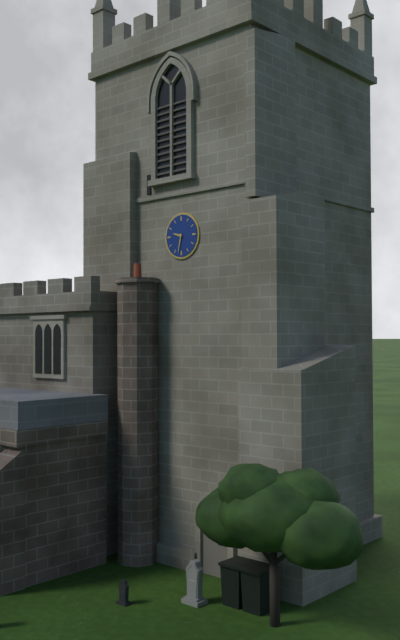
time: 9:32
